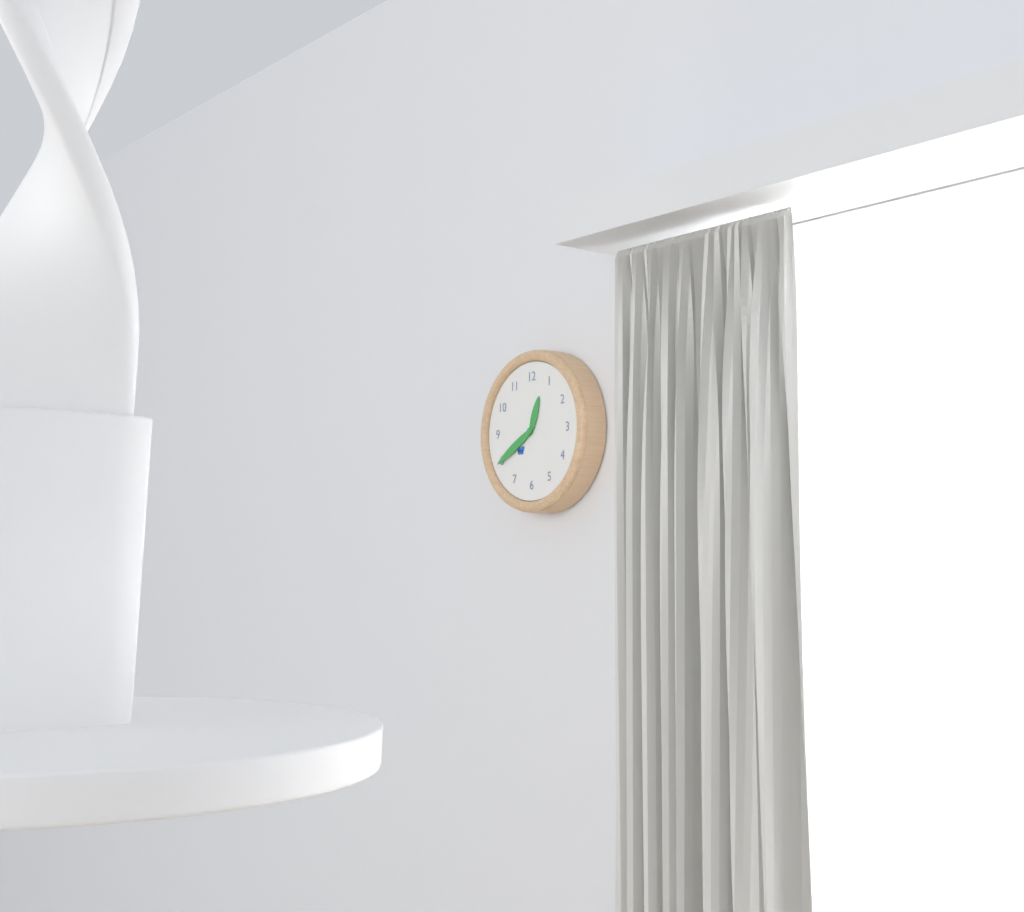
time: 12:40
